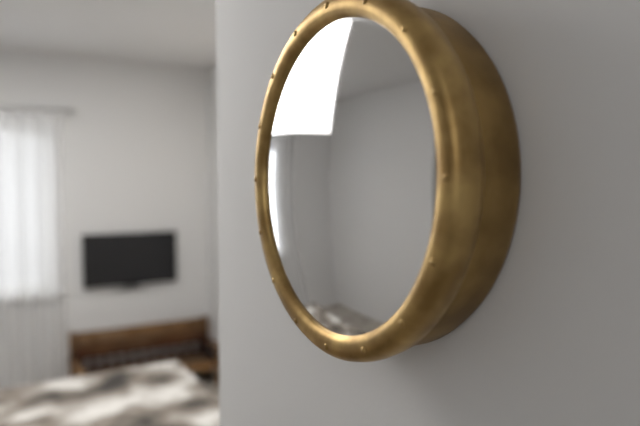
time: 9:32
